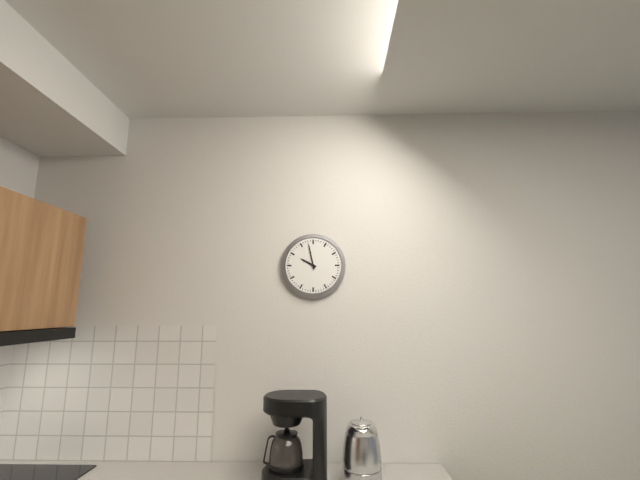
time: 9:58
